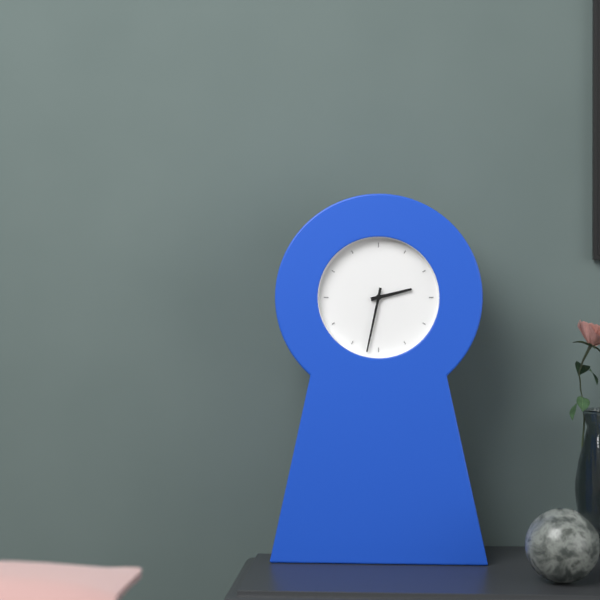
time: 2:32
